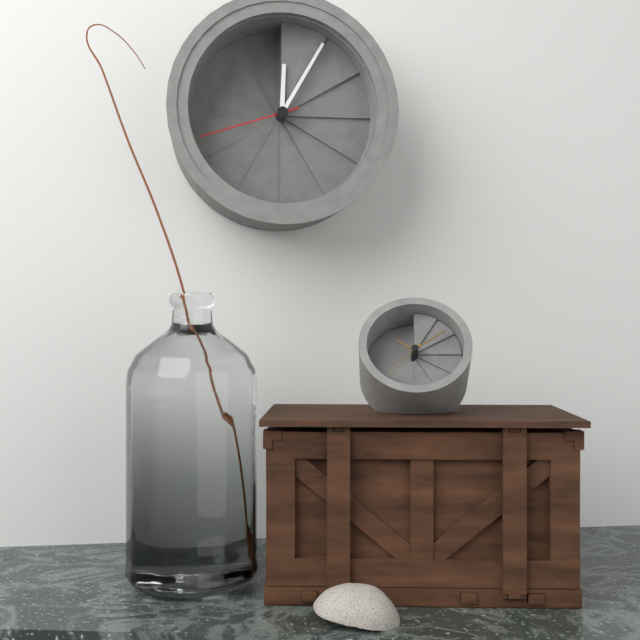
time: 12:05:42
